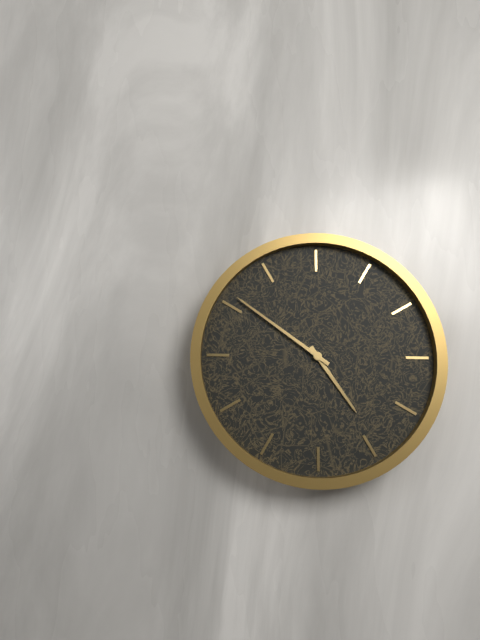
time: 4:51
